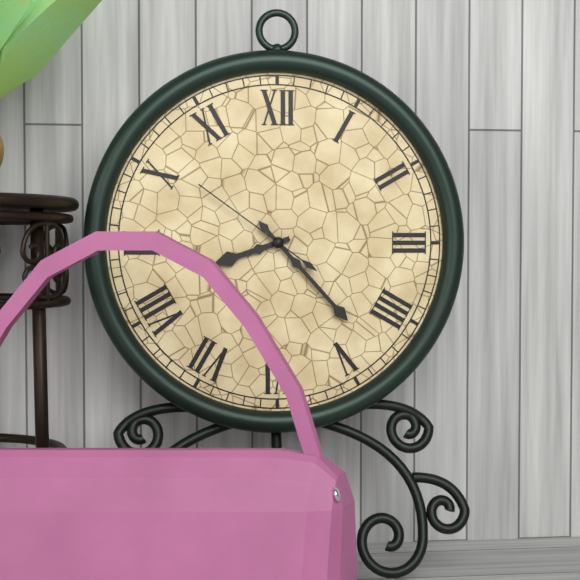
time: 8:23:51
